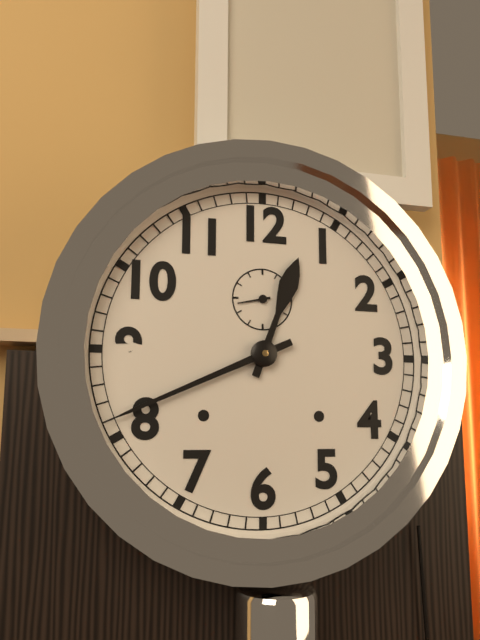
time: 12:41
